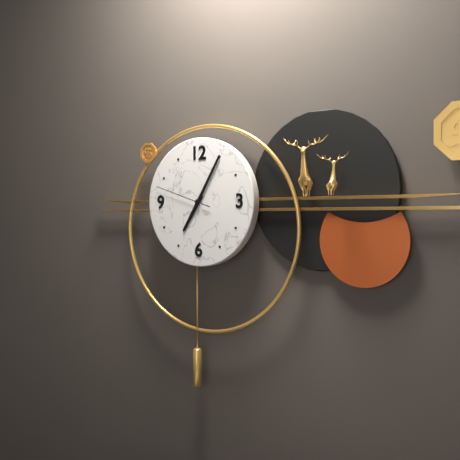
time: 7:05:48
